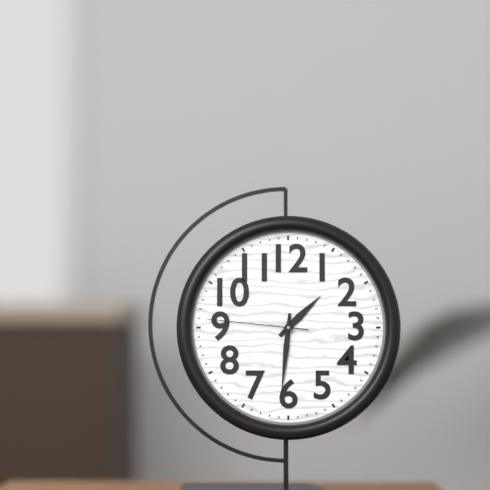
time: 1:31:46
